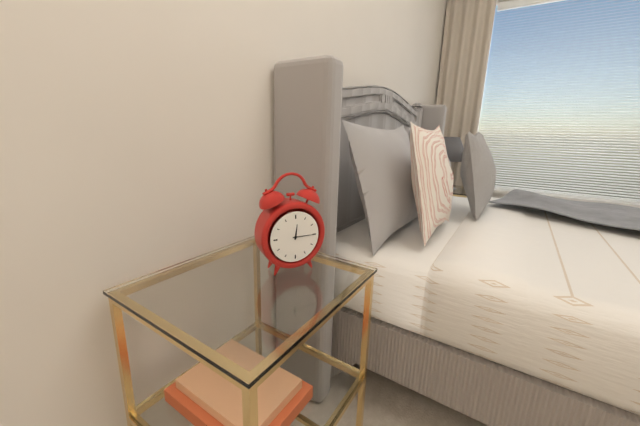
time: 12:15
